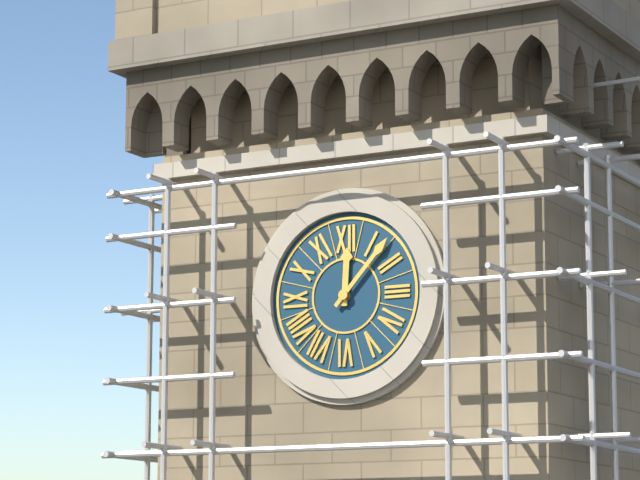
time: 12:07
